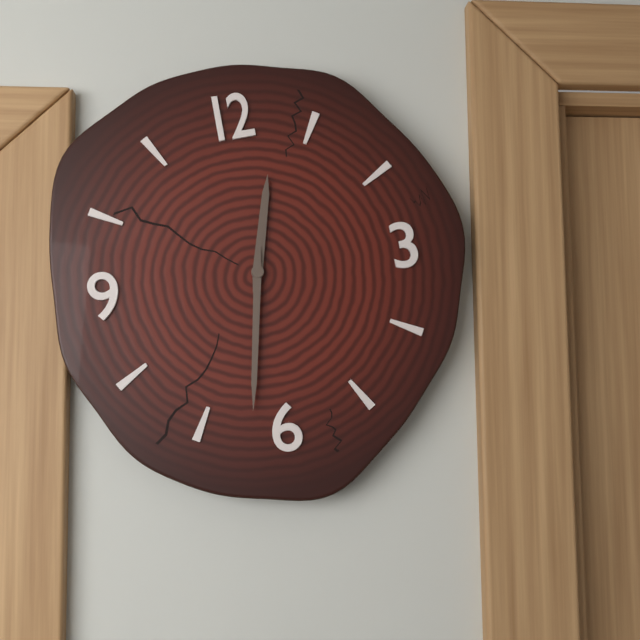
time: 12:32
